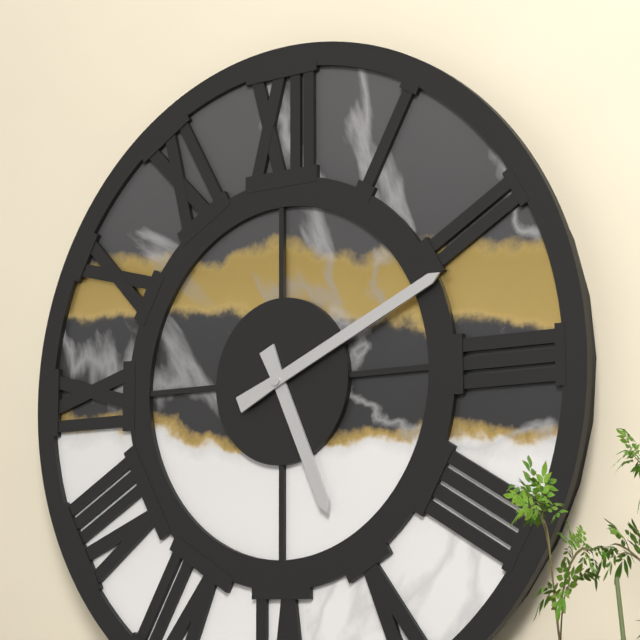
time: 5:11
